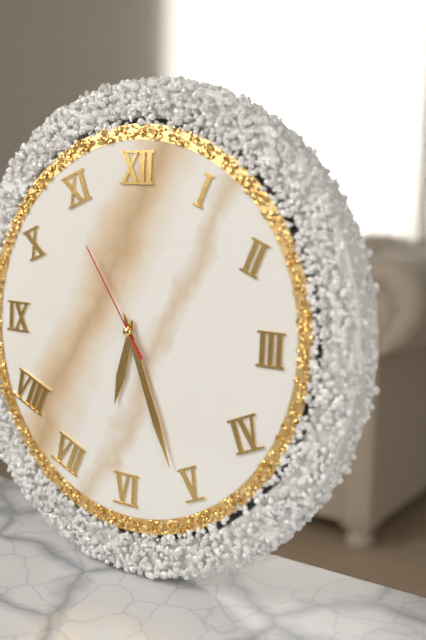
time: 6:26:54
